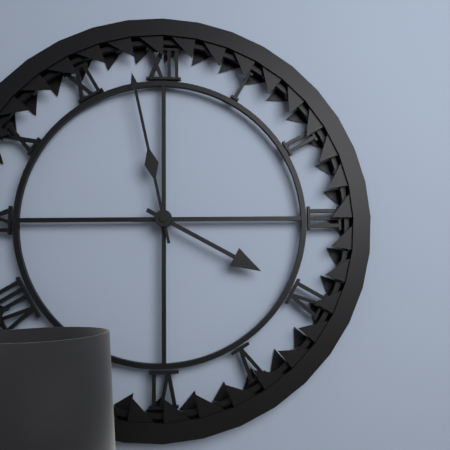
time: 3:58
